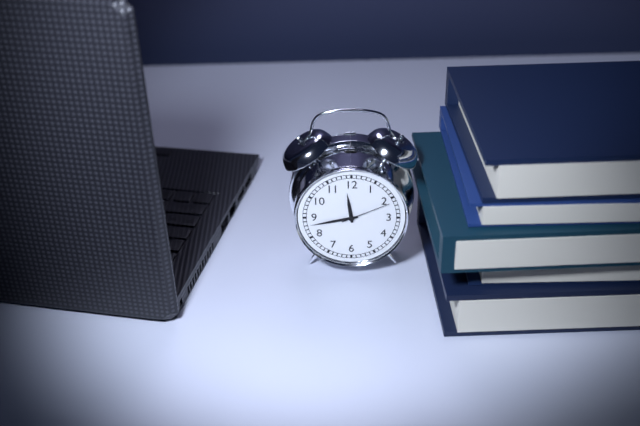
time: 11:43:11
